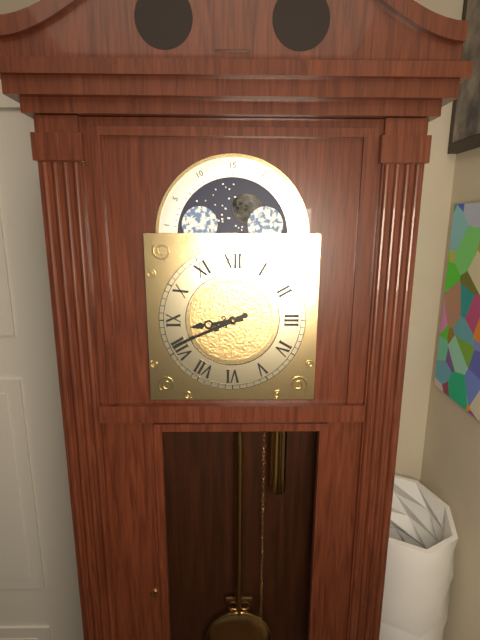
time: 8:41
